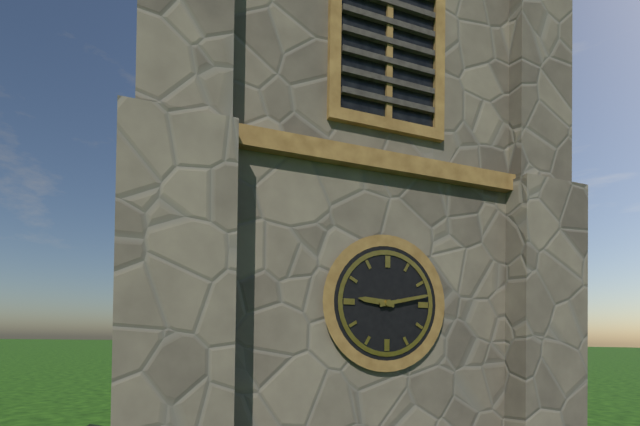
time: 9:13
